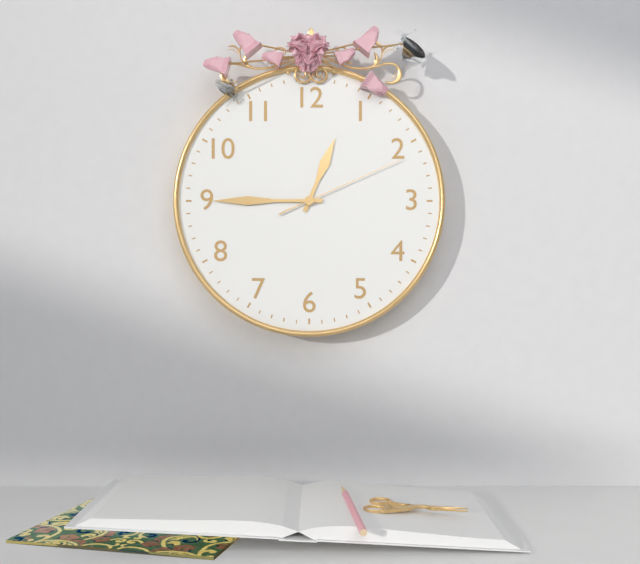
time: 12:45:11
